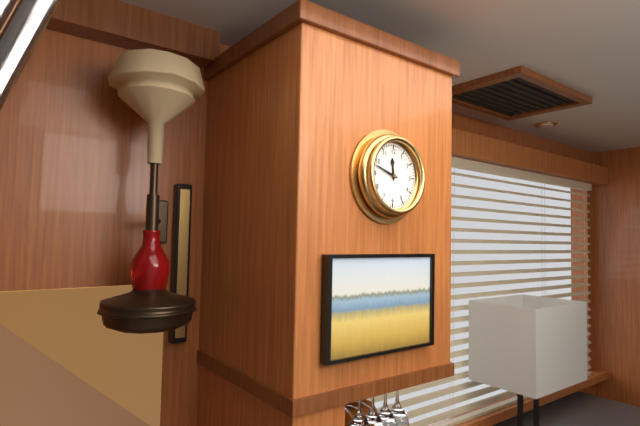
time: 11:48
